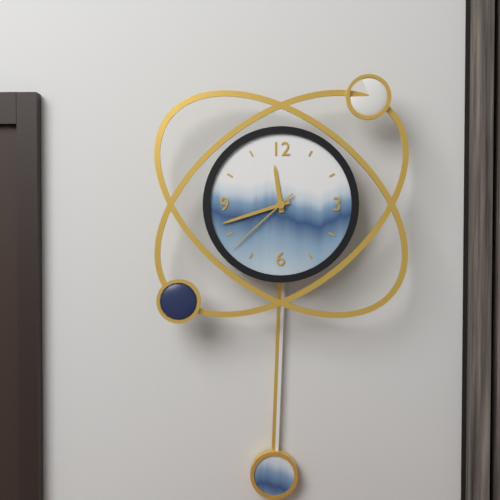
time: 11:42:38
